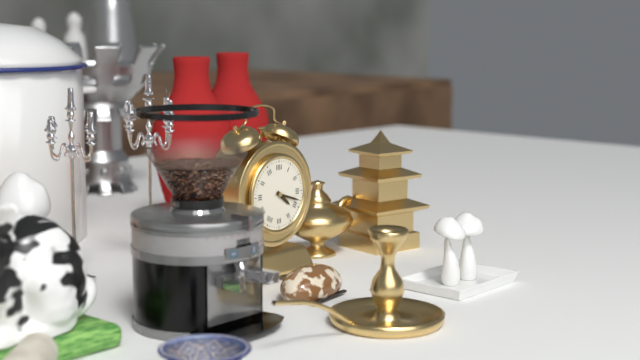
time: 4:18
